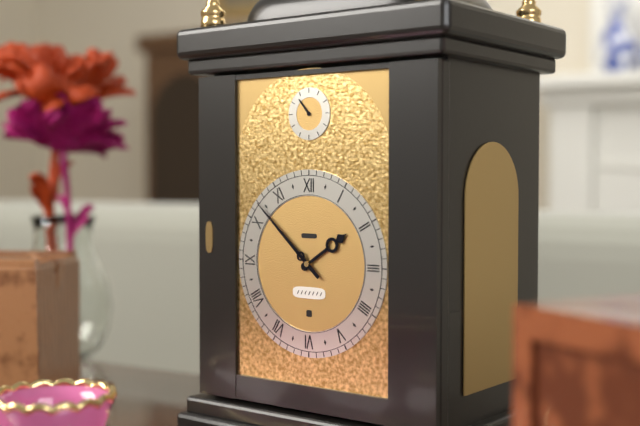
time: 1:52
